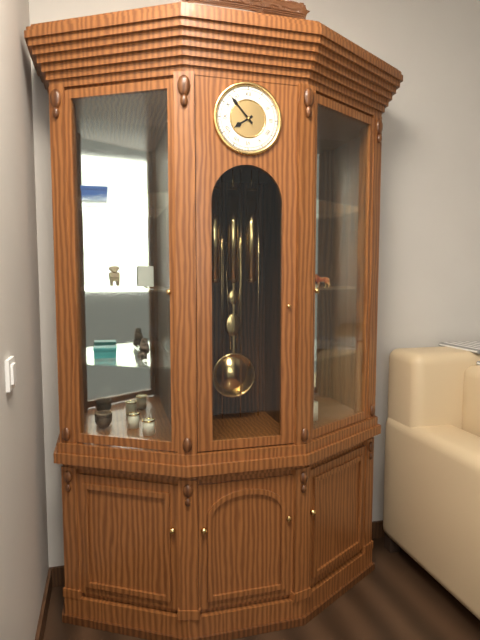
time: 7:53
